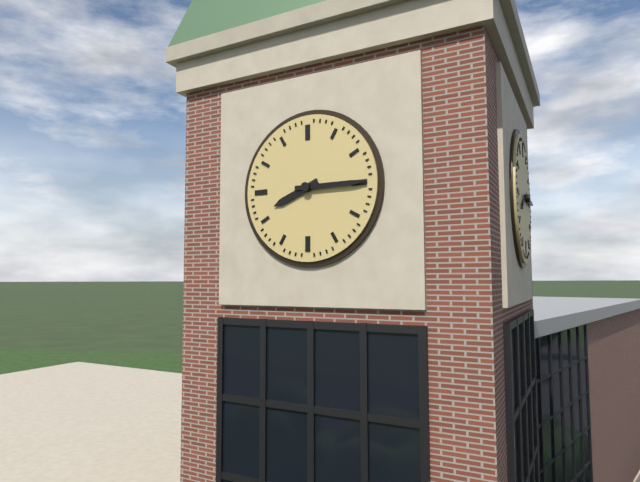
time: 8:15
